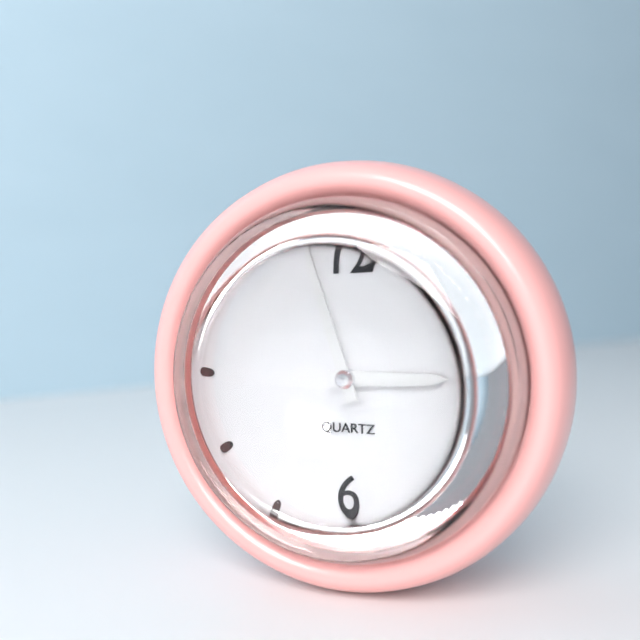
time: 2:57
